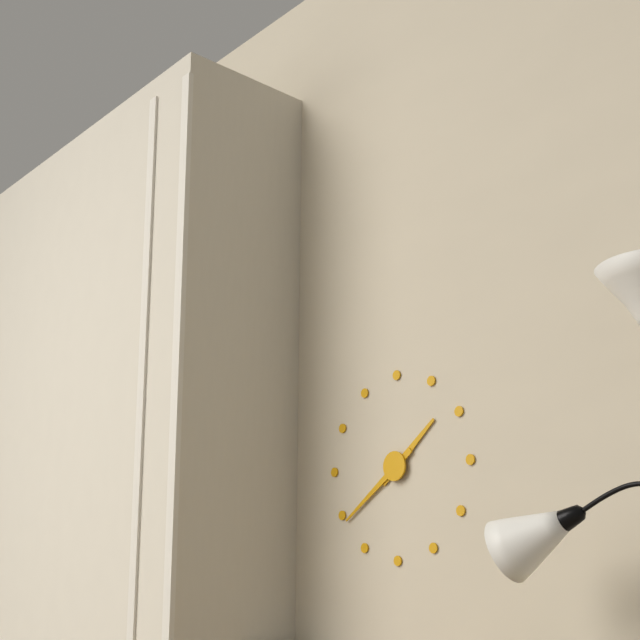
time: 1:39
